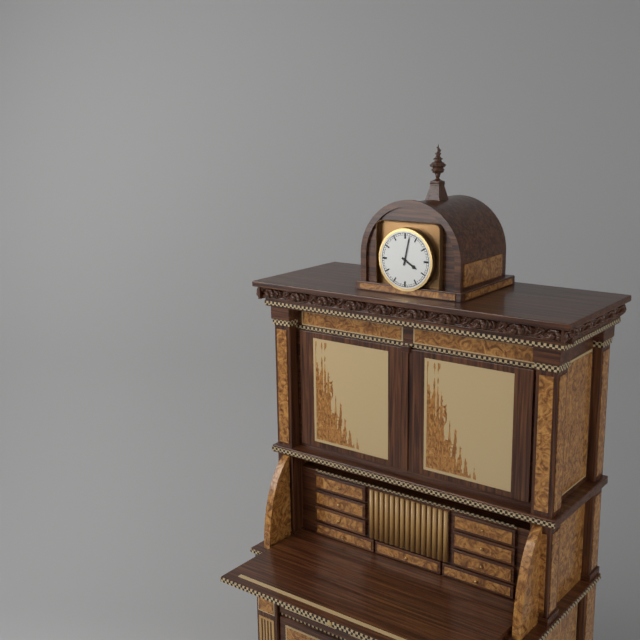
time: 4:02
